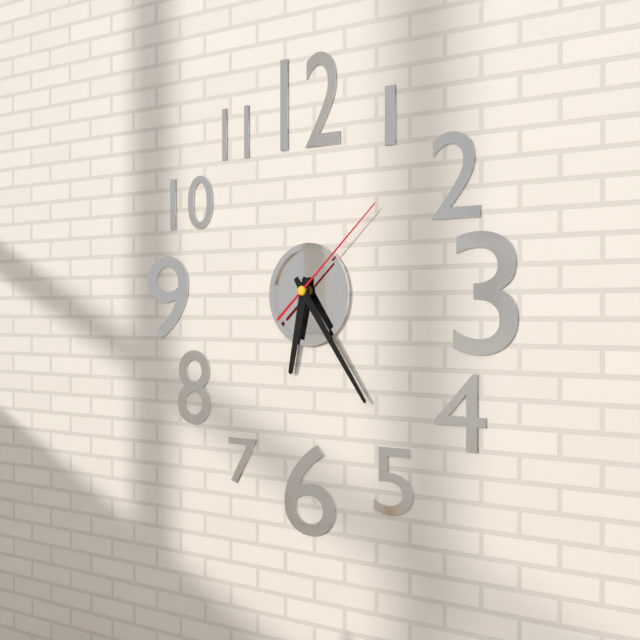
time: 6:24:08
